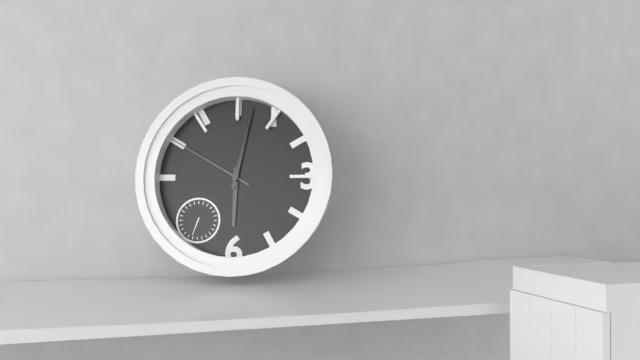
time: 6:02:50
